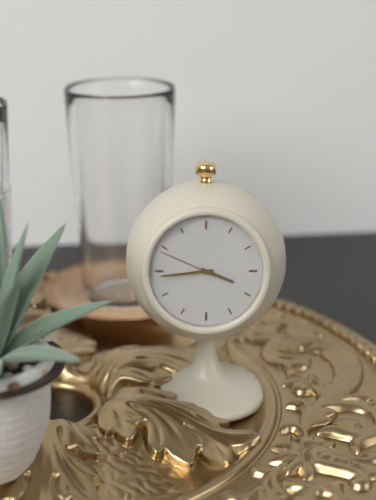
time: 3:44:49
